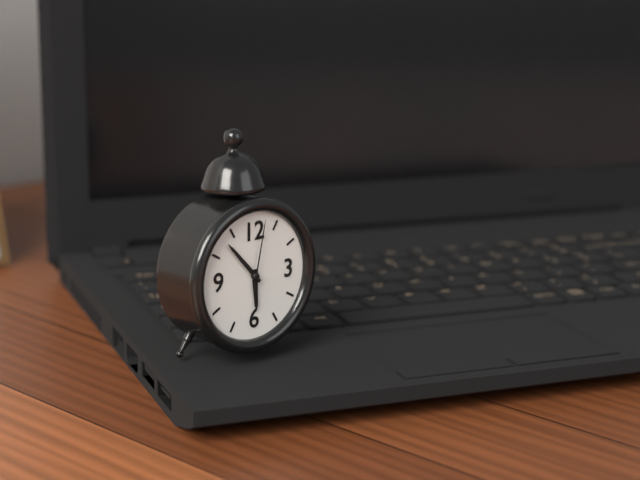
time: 5:53:02
